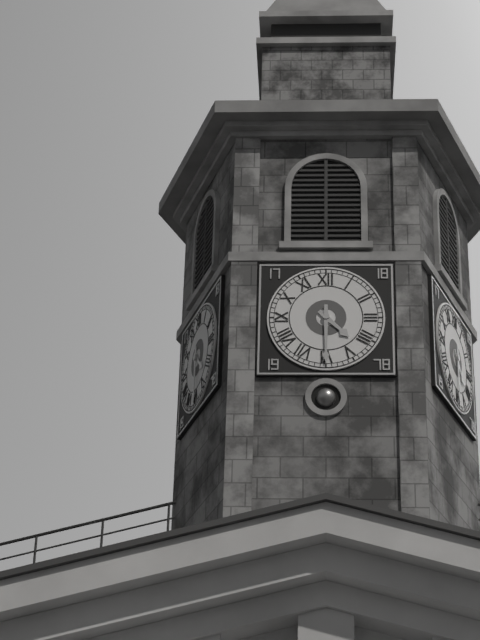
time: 4:30
